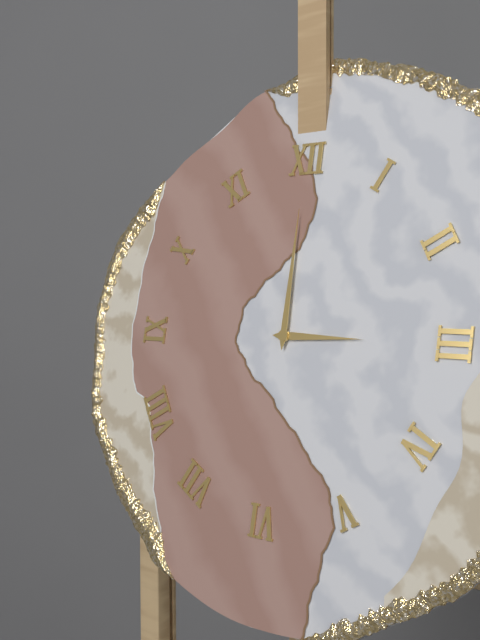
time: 3:00
